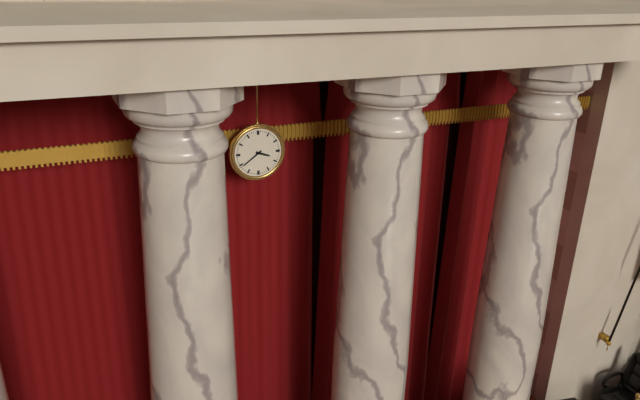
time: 3:39
